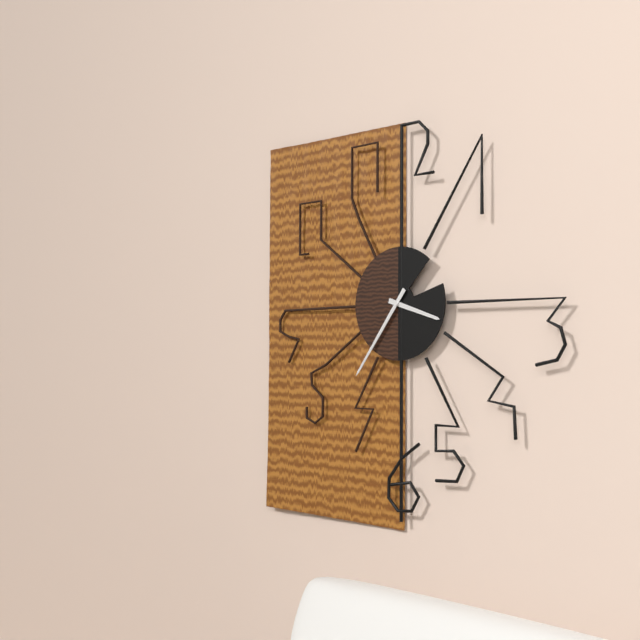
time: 3:36
